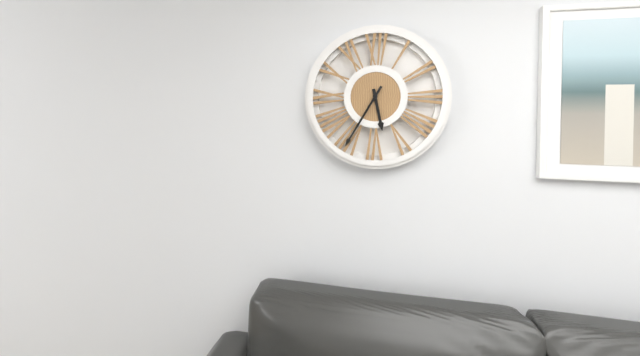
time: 5:35
